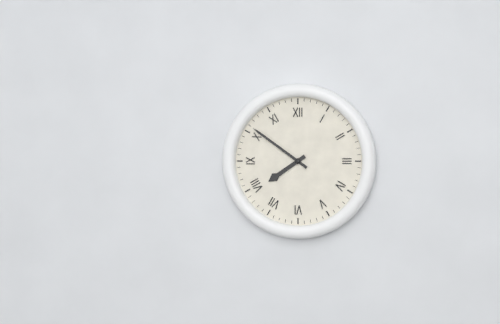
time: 7:51
